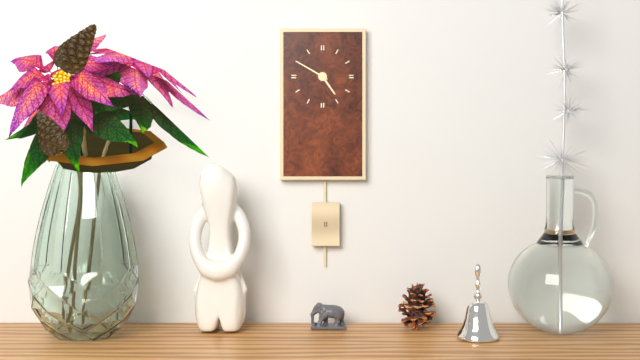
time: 4:50
